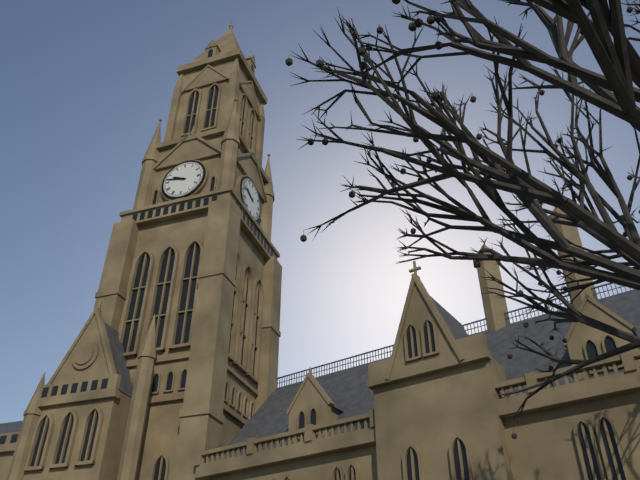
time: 9:47
